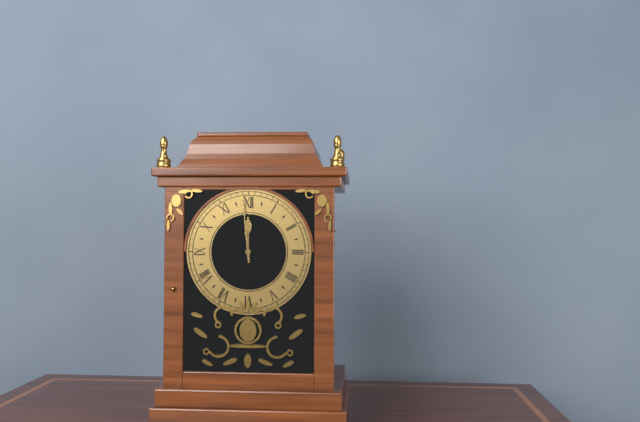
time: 11:59
